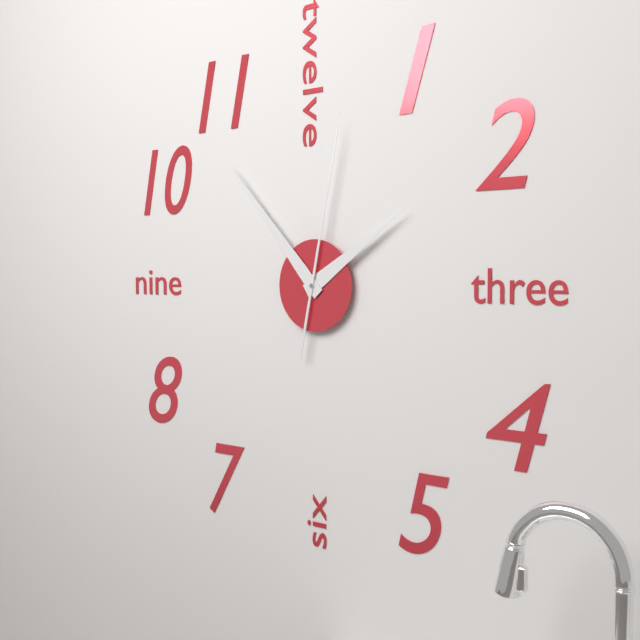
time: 1:53:02
